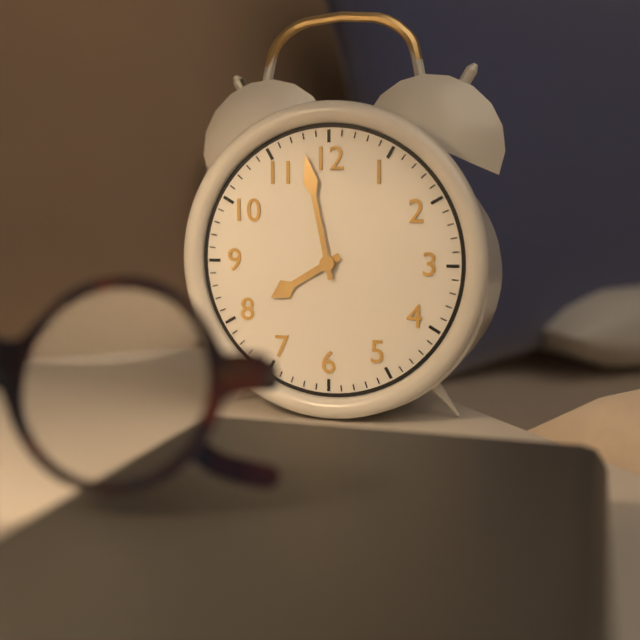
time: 7:58
